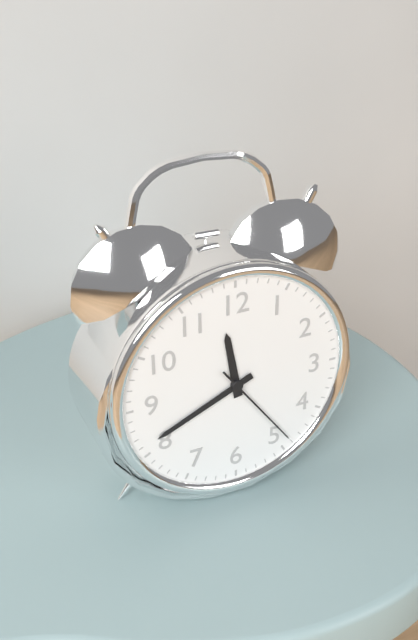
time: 11:41:24
